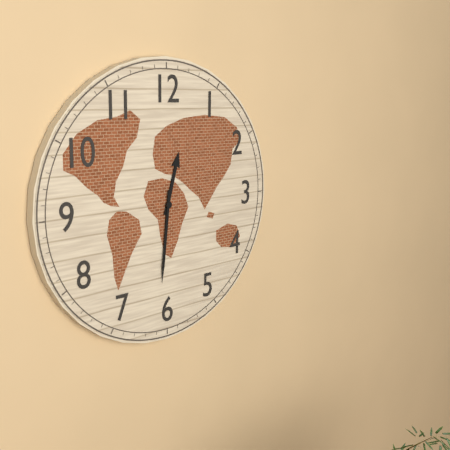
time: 12:31
